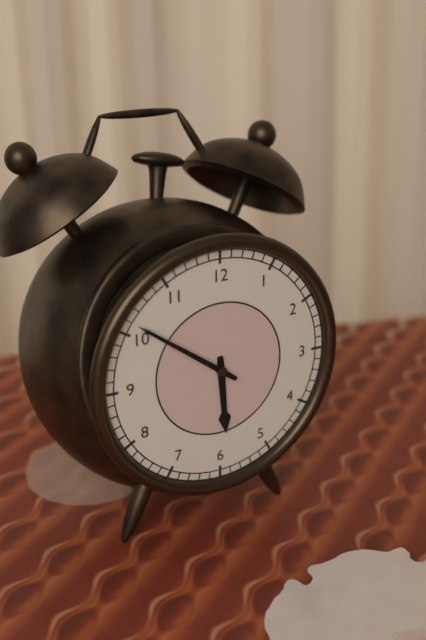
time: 5:51
